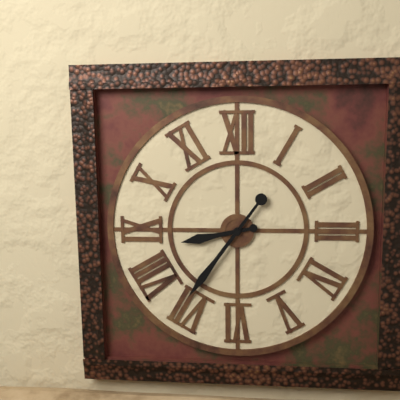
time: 8:36
